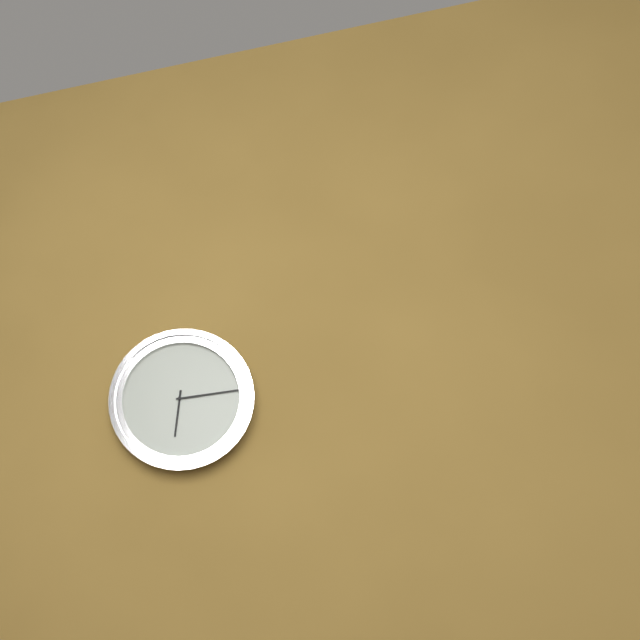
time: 6:14
